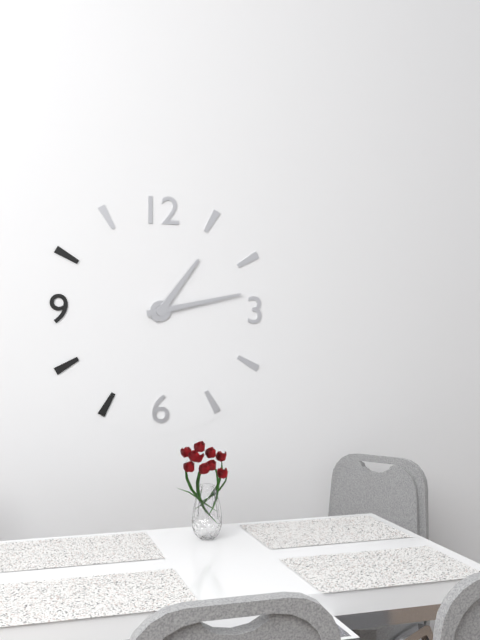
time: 1:13
